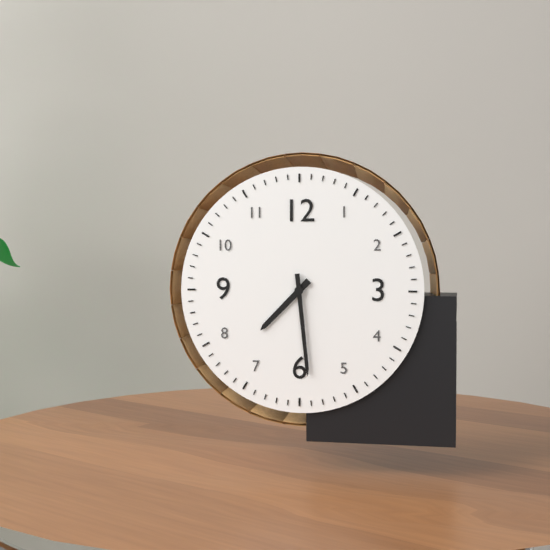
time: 7:29
